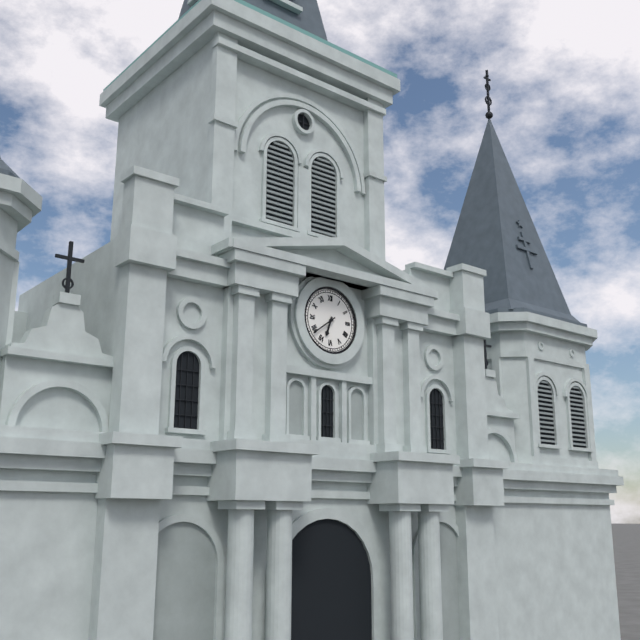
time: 6:39
